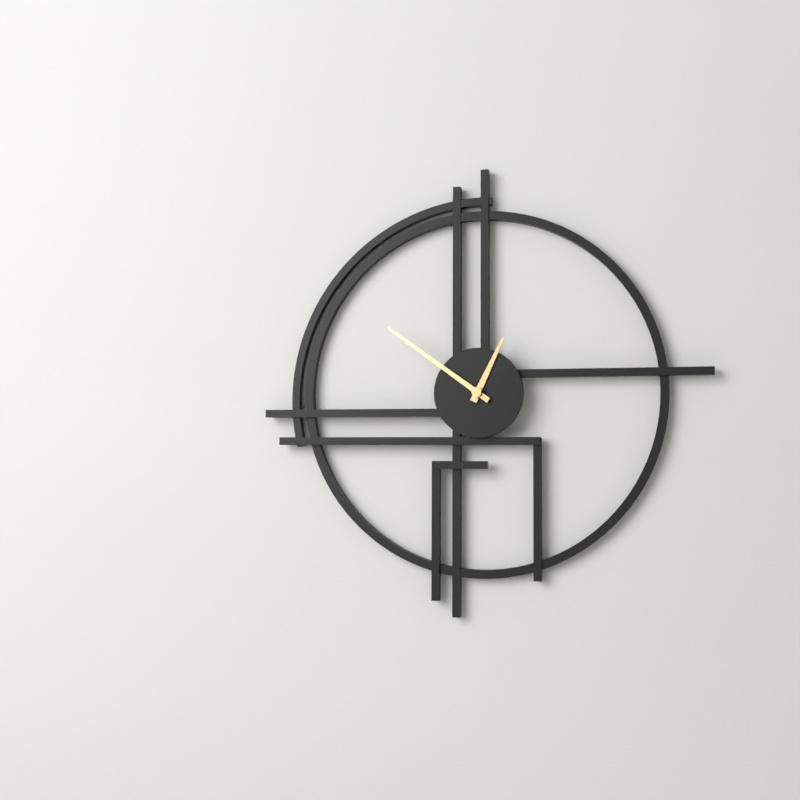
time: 12:51
